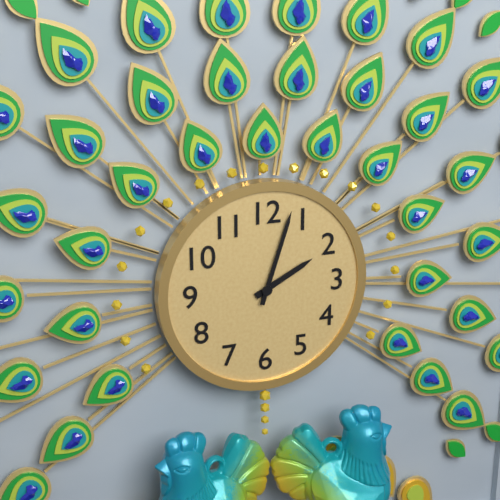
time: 2:03
